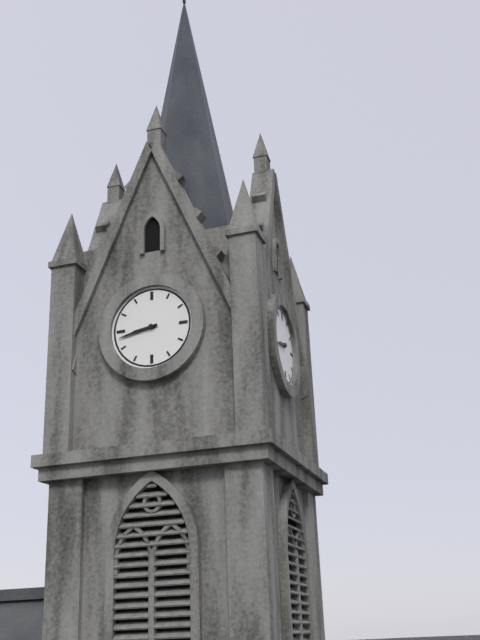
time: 8:43
